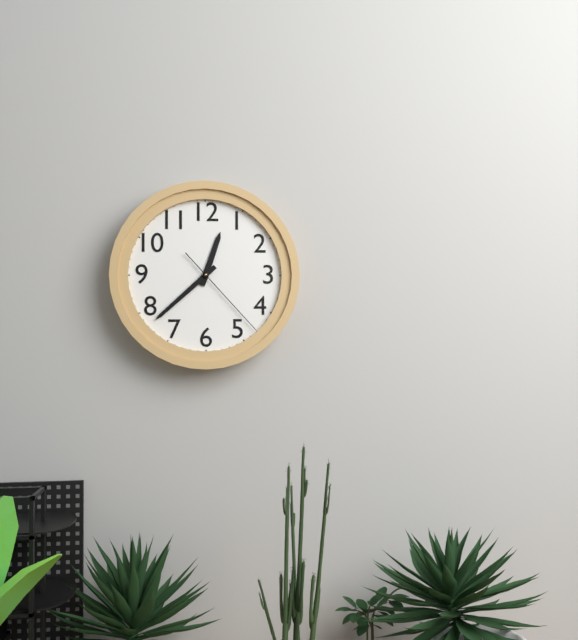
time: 12:38:23
